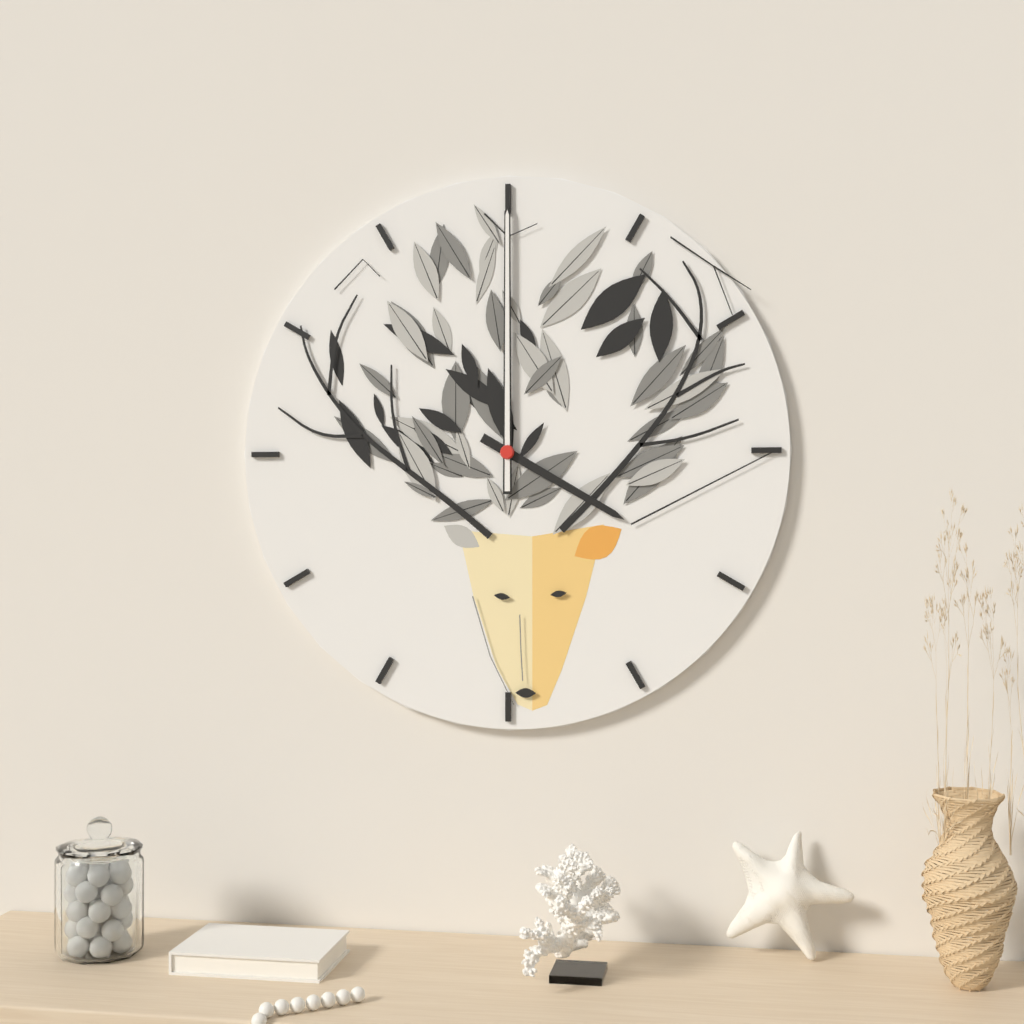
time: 4:00
